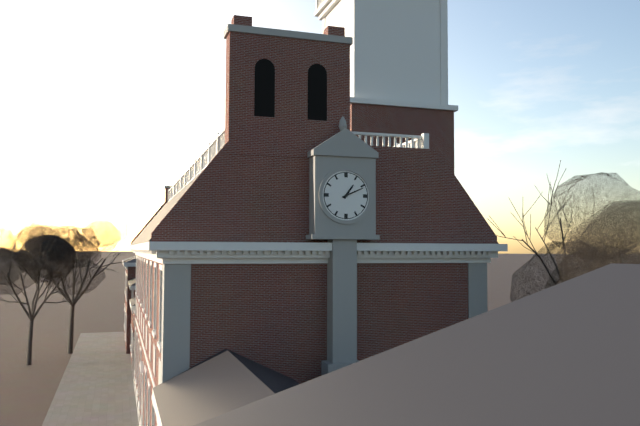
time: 1:11
